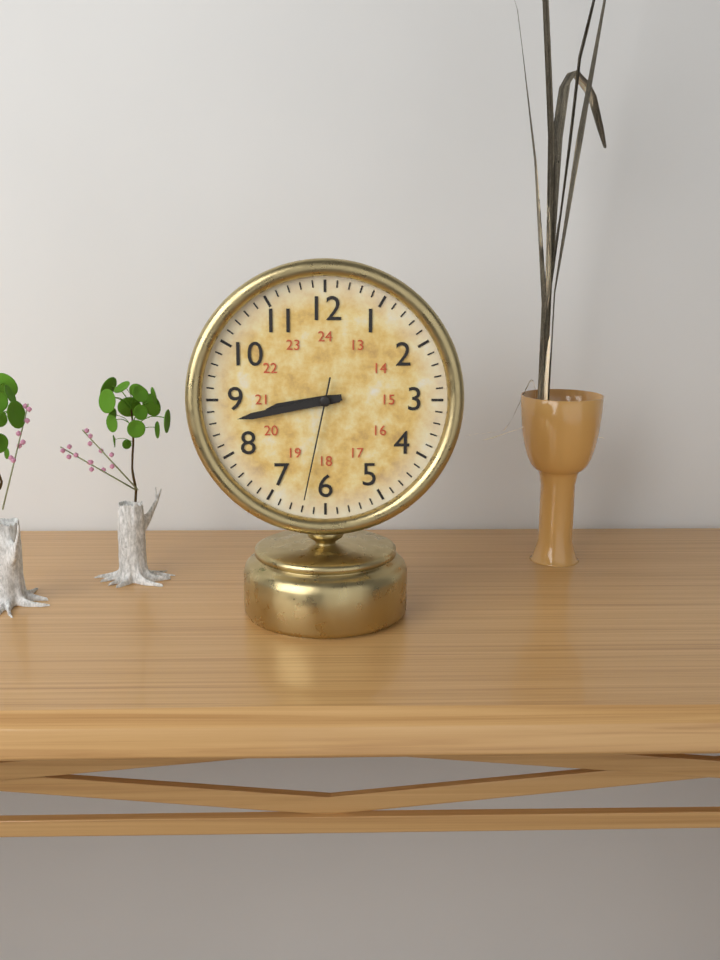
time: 8:43:32
